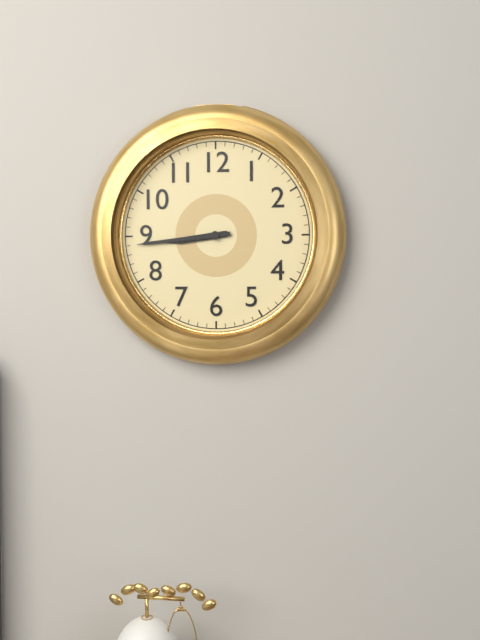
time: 8:44
